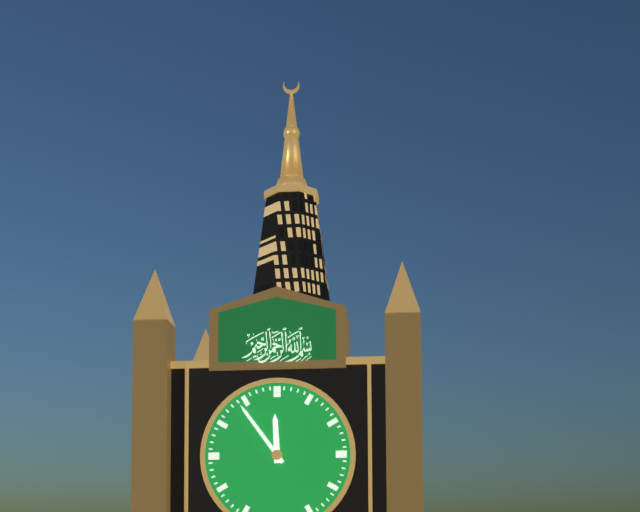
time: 11:54
